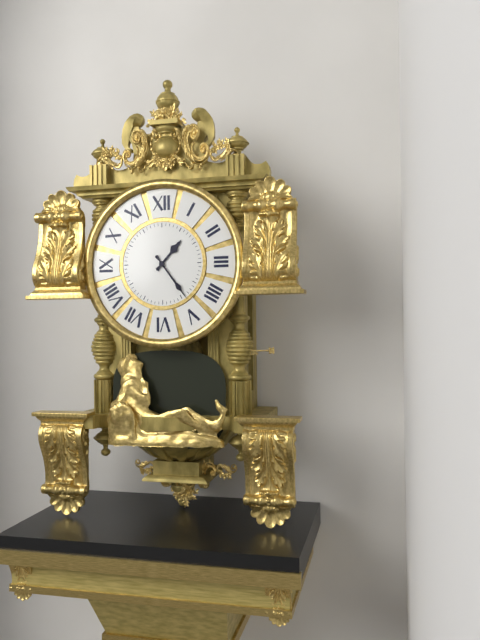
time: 1:24
